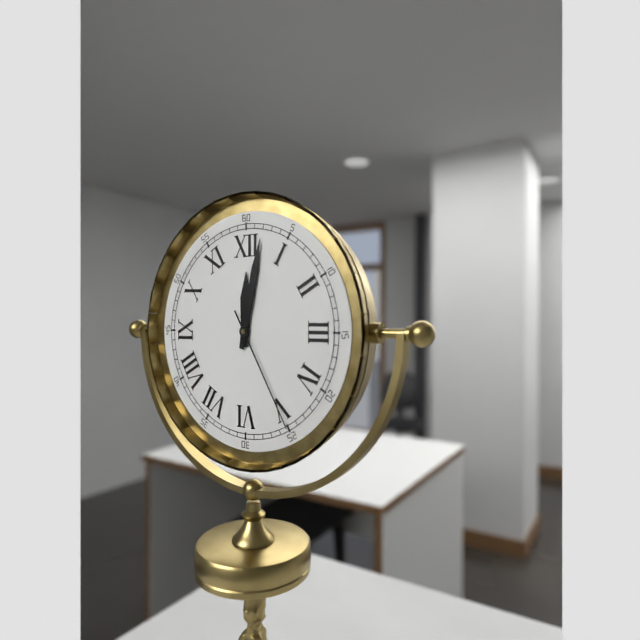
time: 12:02:25
